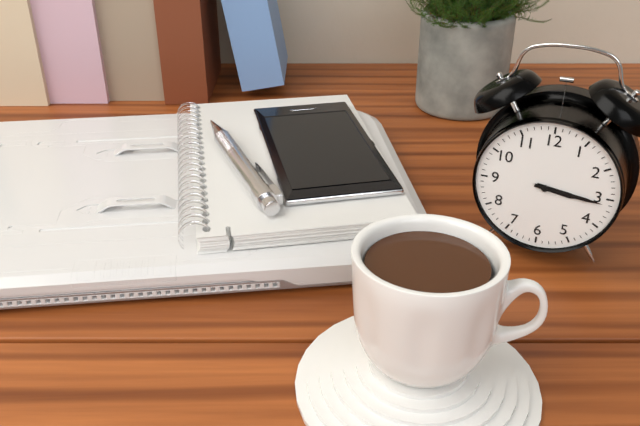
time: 3:16
